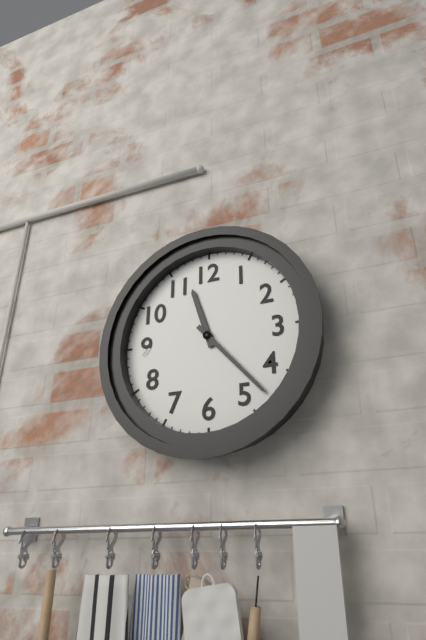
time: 11:23
